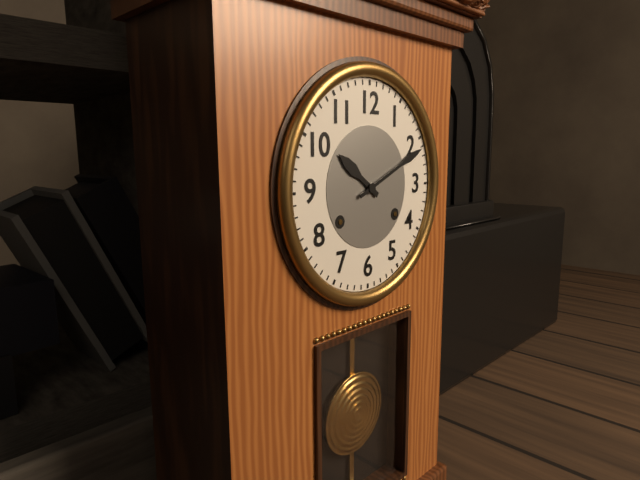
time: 10:11
